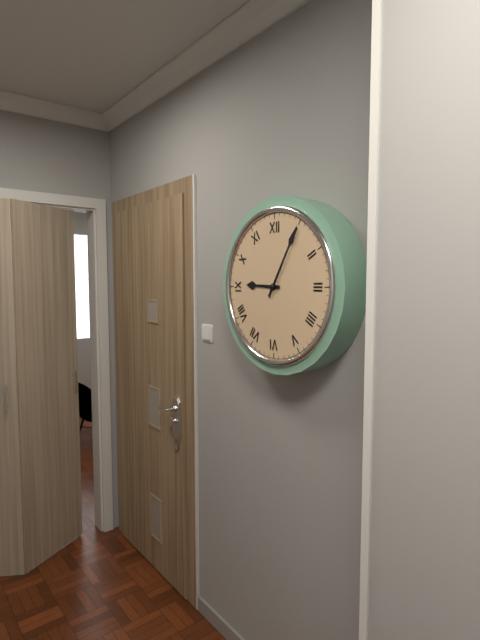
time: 9:05
